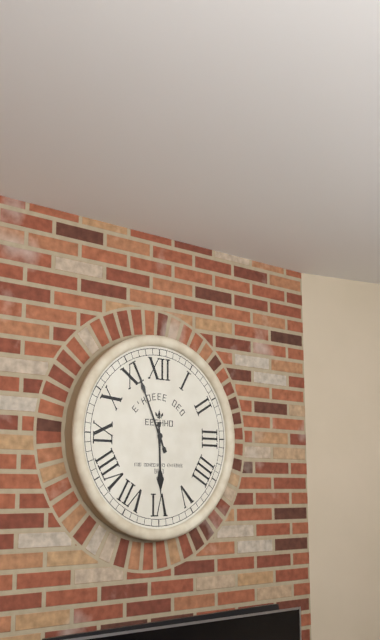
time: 5:56
